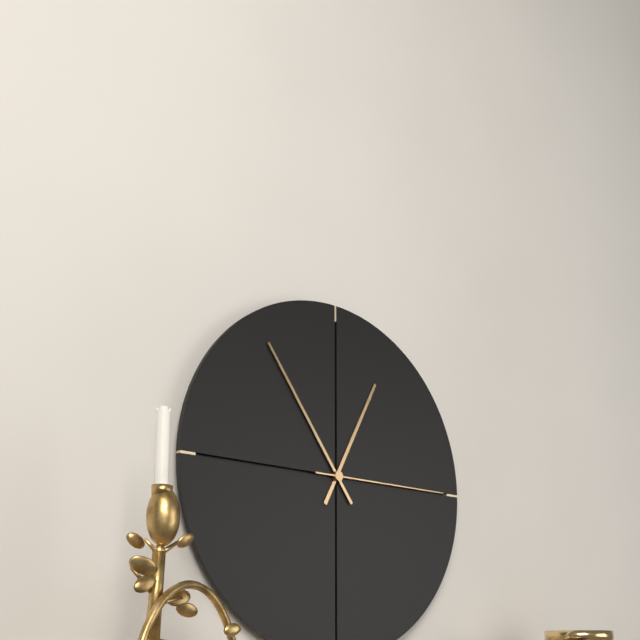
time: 12:54:15
